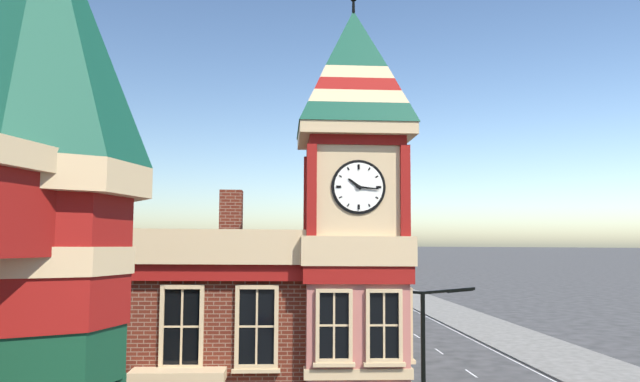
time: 10:16
